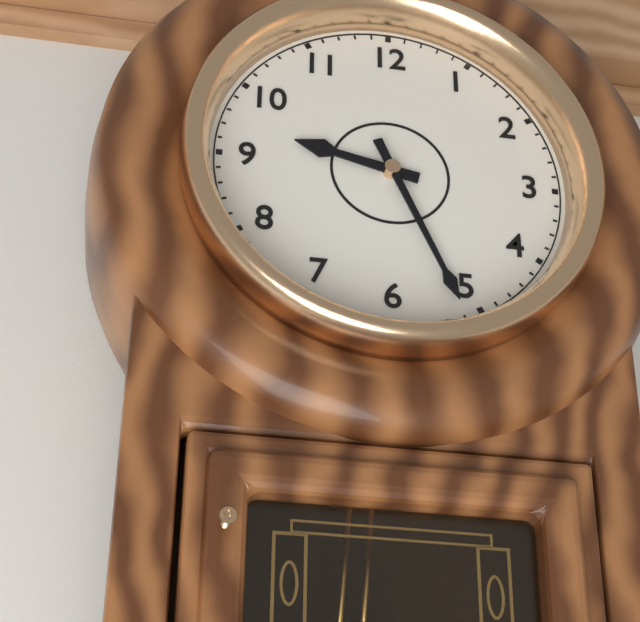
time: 9:26
